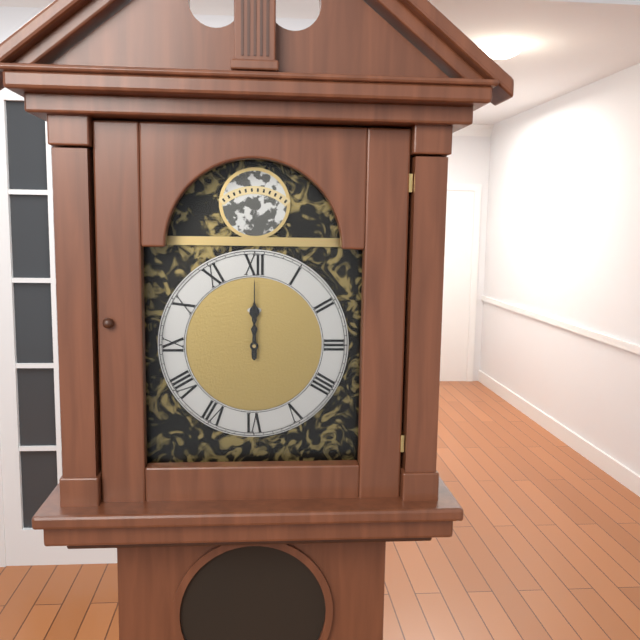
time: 12:00
